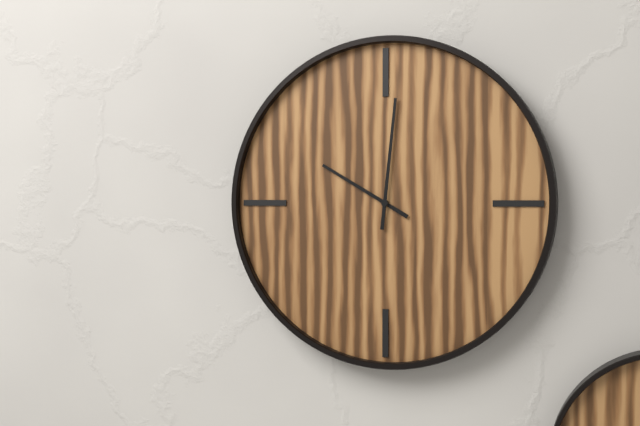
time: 10:01
